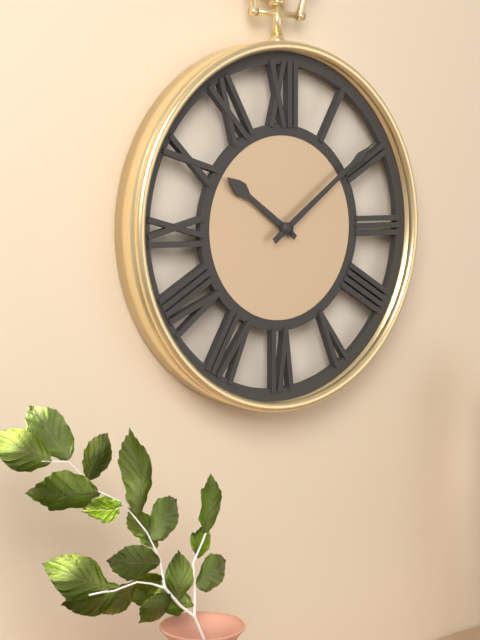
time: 10:09
